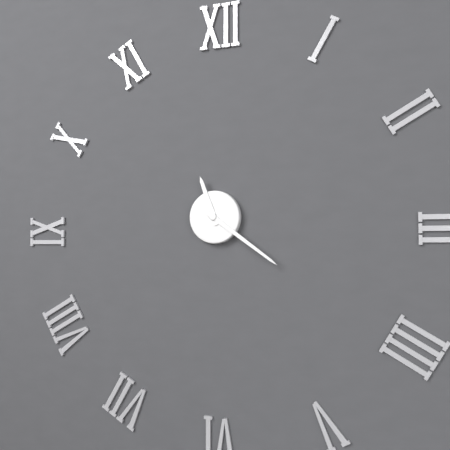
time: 11:21
